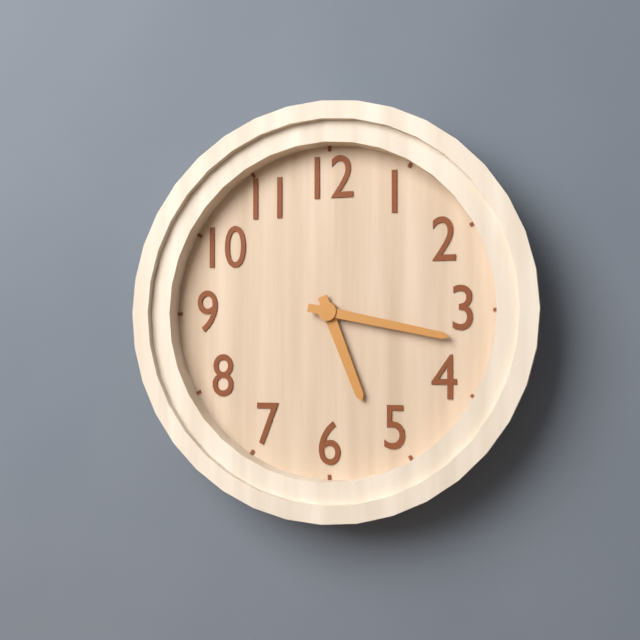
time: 5:17
